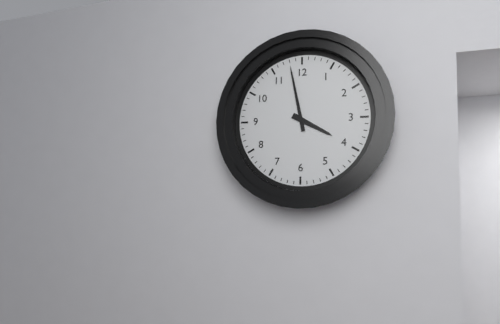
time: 3:58
